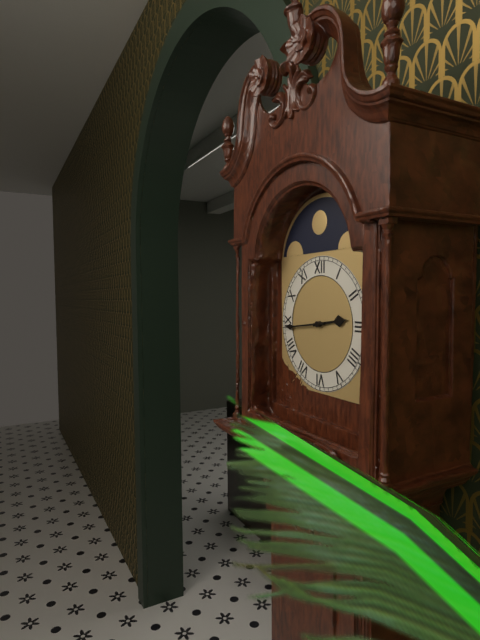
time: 2:44
